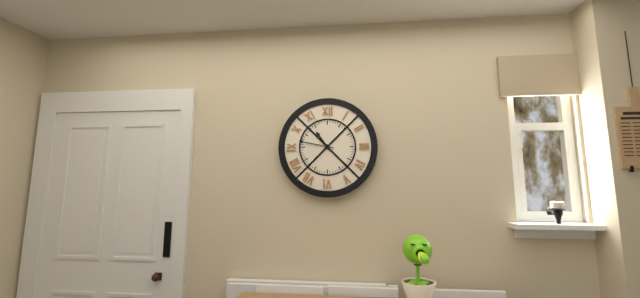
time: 10:47
